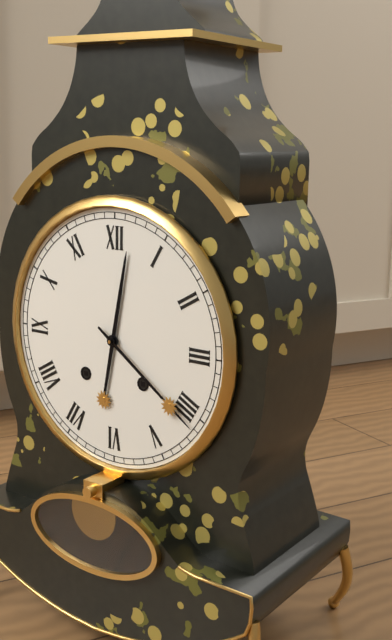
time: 12:21
